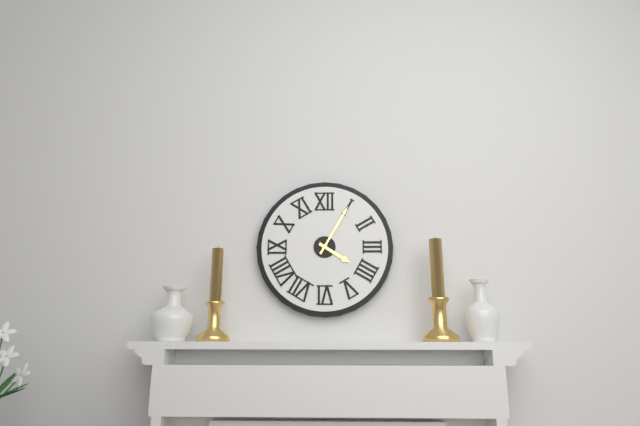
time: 4:05
